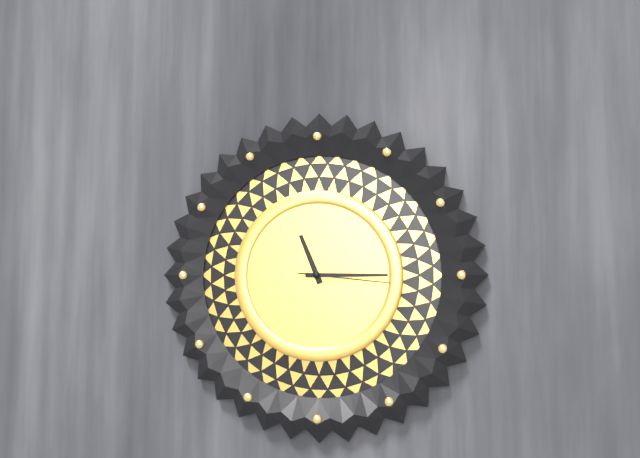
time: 11:15:16
